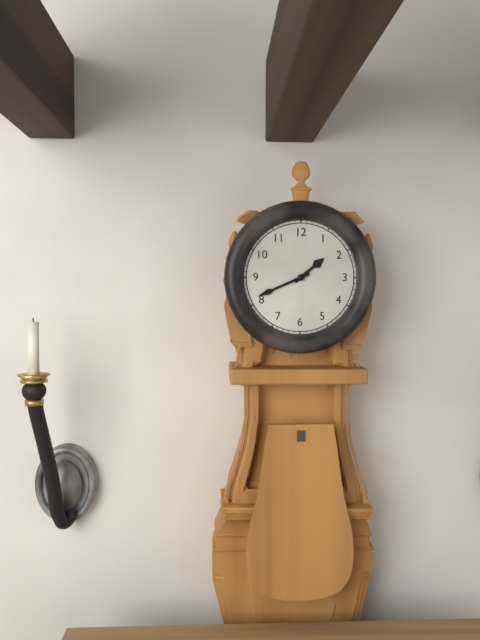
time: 1:41
